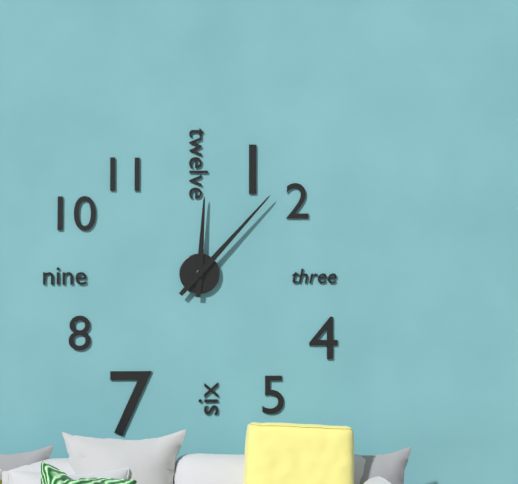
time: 12:07
